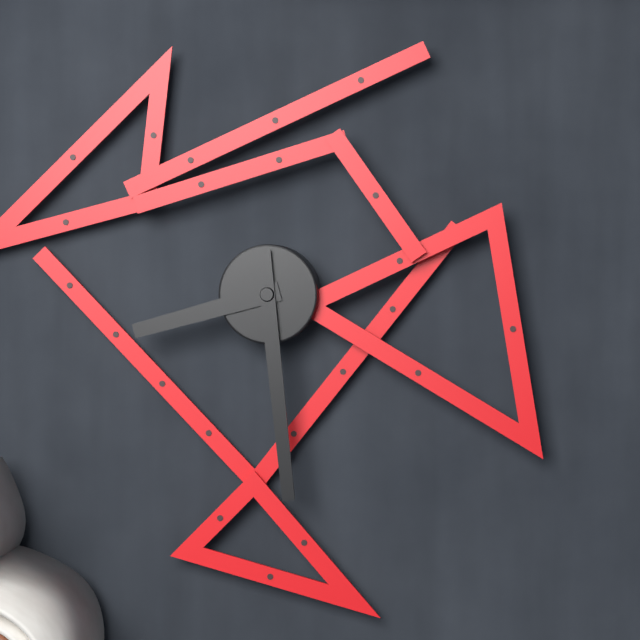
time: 8:29
